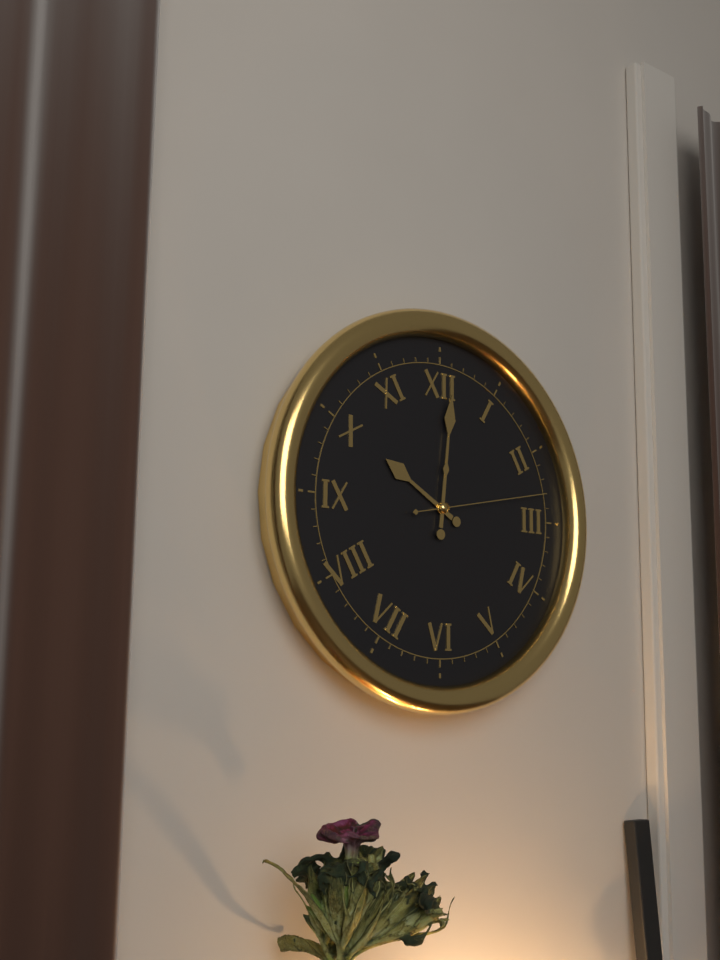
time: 10:01:13
